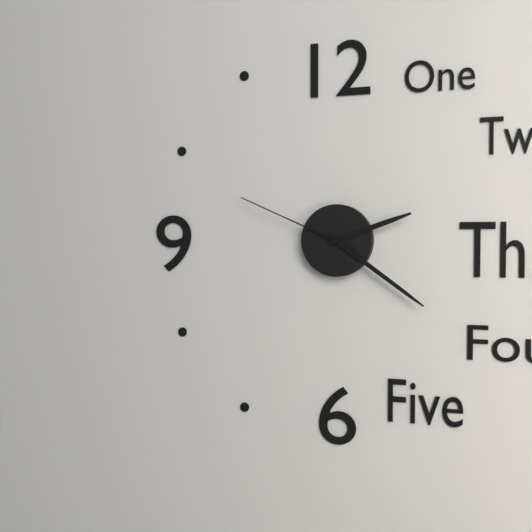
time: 2:21:49
